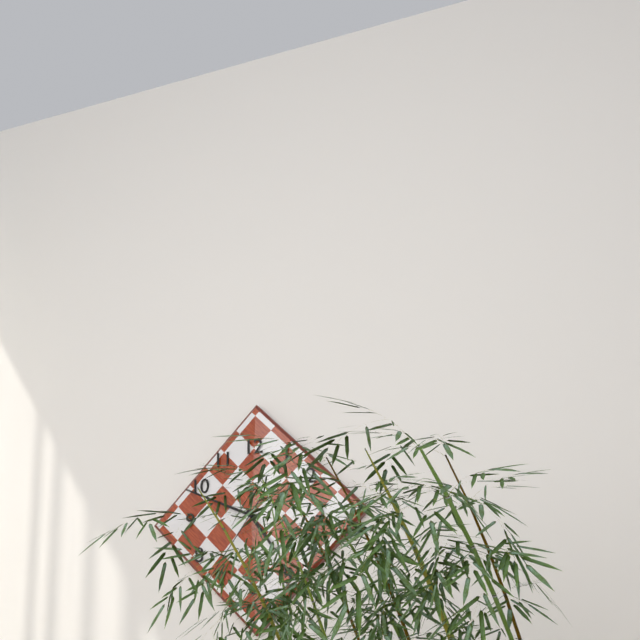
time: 4:49:36
